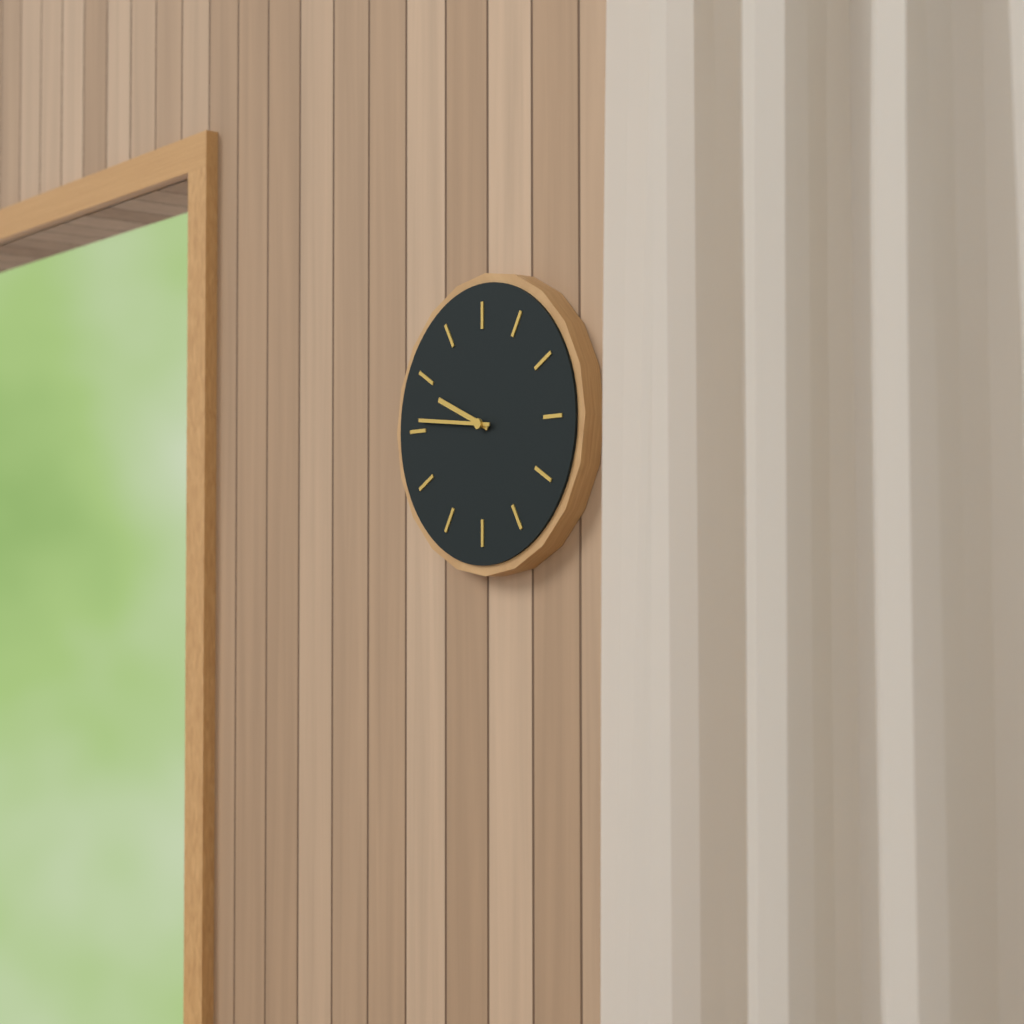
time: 9:46
